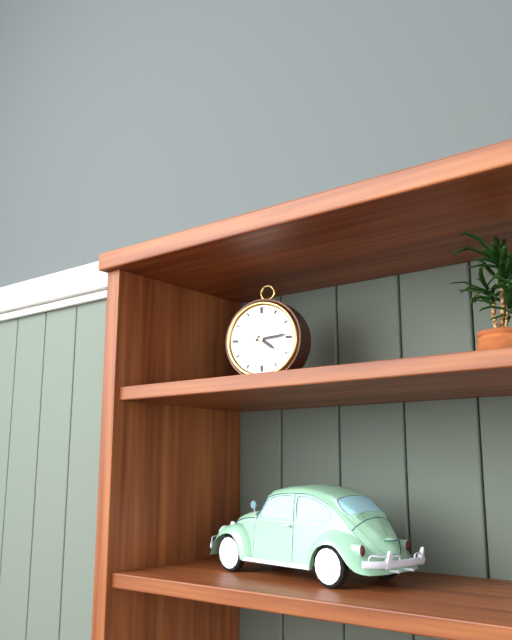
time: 4:14
